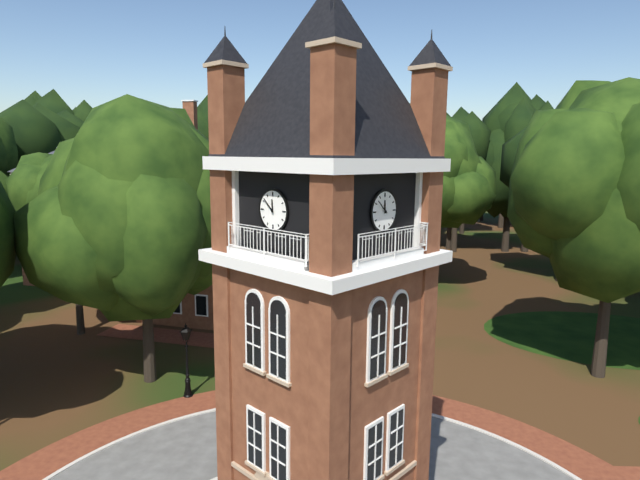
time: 11:52
